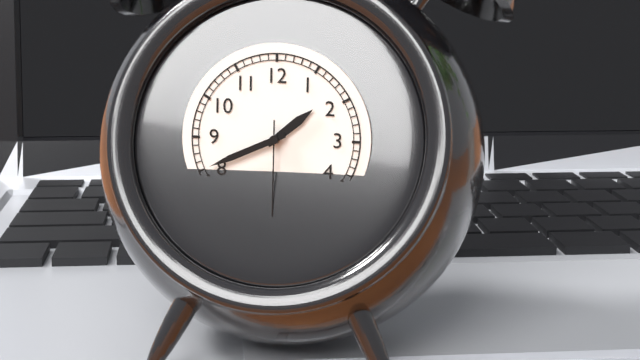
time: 1:41:30
